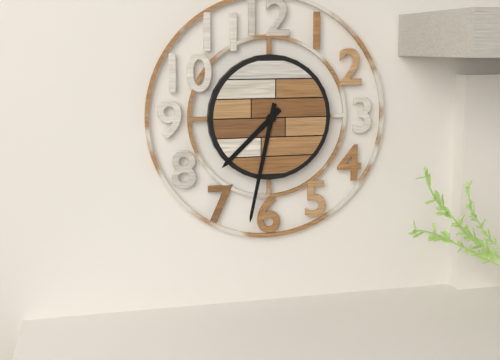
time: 7:32
